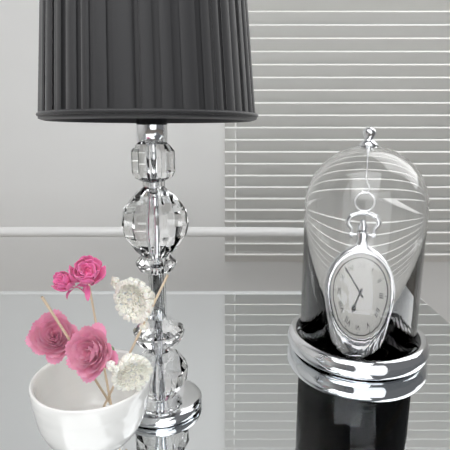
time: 6:53
